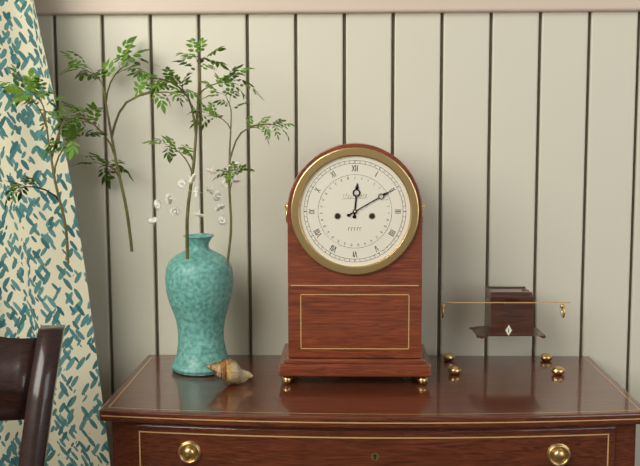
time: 12:10
